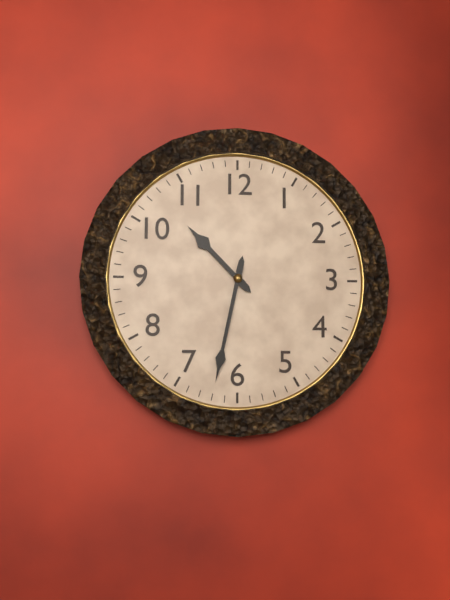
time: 10:32
